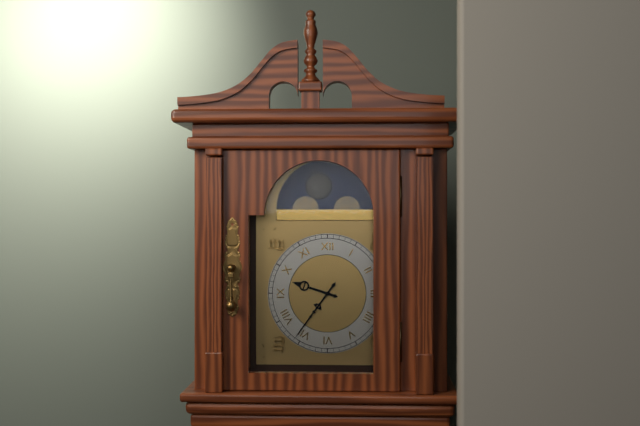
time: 9:36
